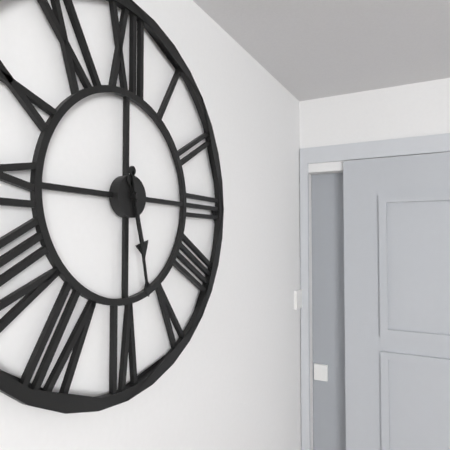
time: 5:28
